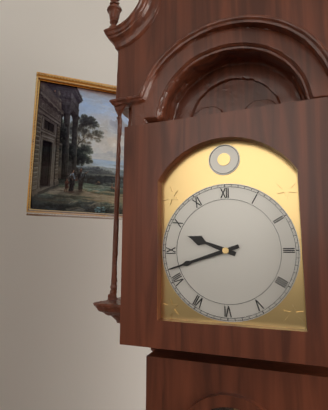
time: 9:42
